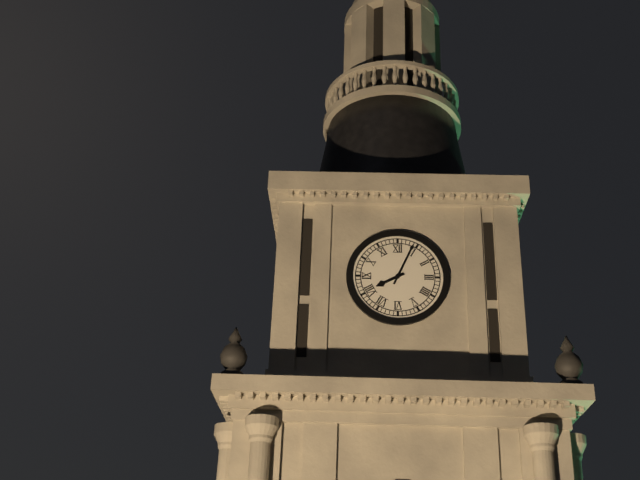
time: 8:04
